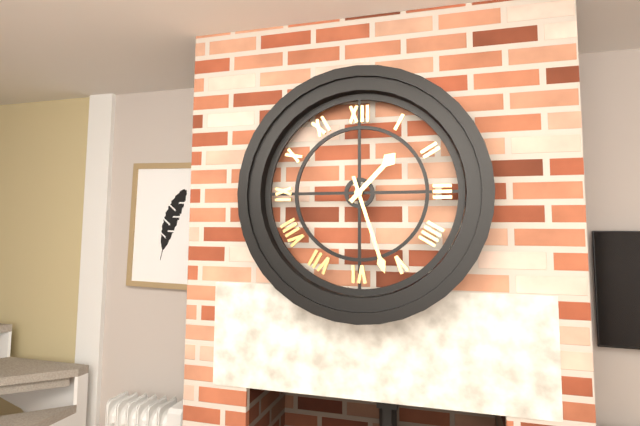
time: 1:27
